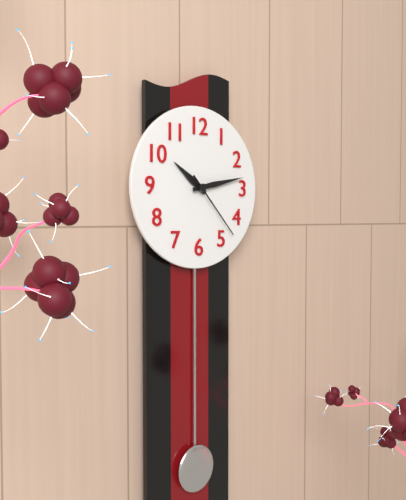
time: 10:13:23
